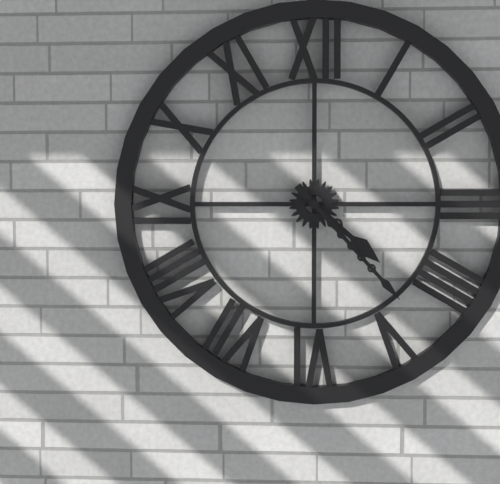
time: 4:23
